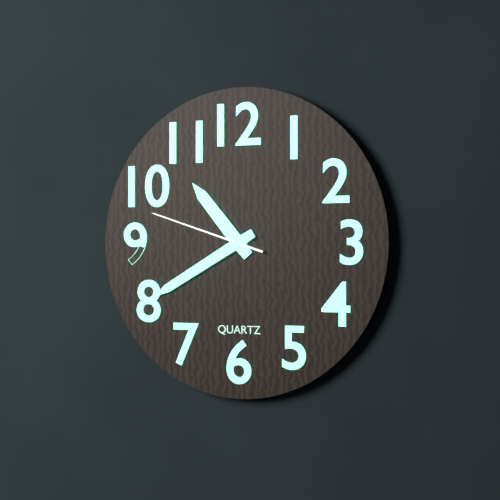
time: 10:40:48
